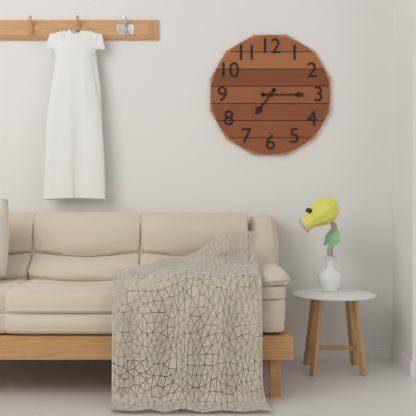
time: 7:15
